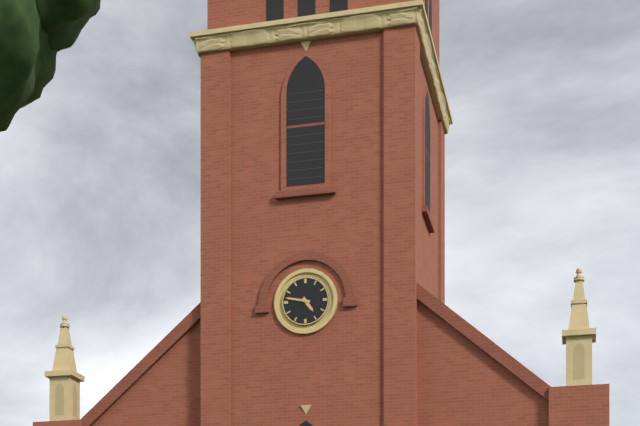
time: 4:47
